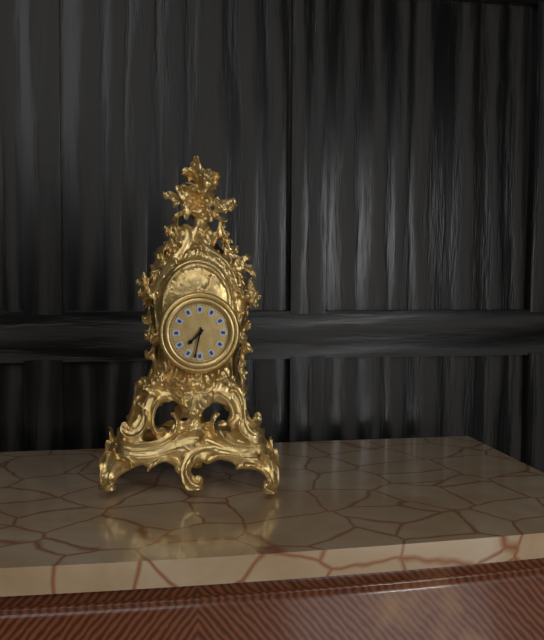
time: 7:32
